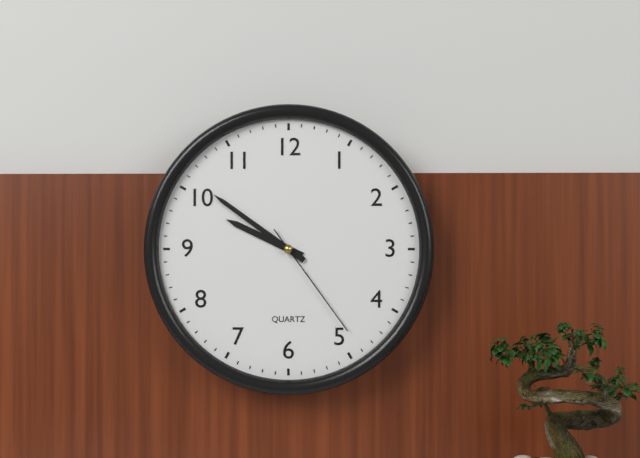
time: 9:51:24
